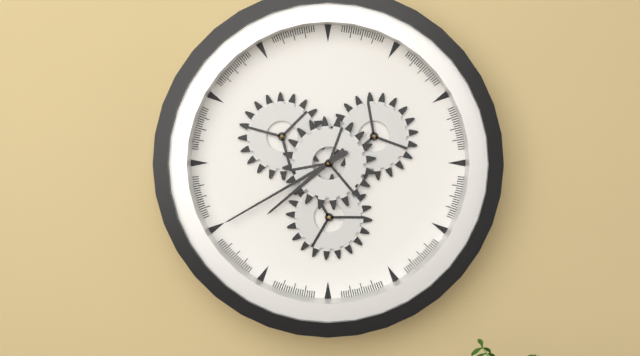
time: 7:40
